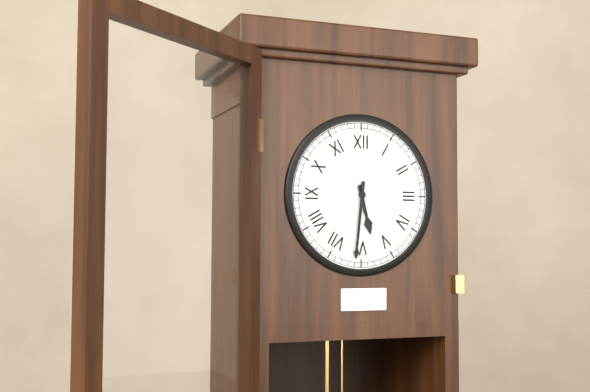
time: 5:31
